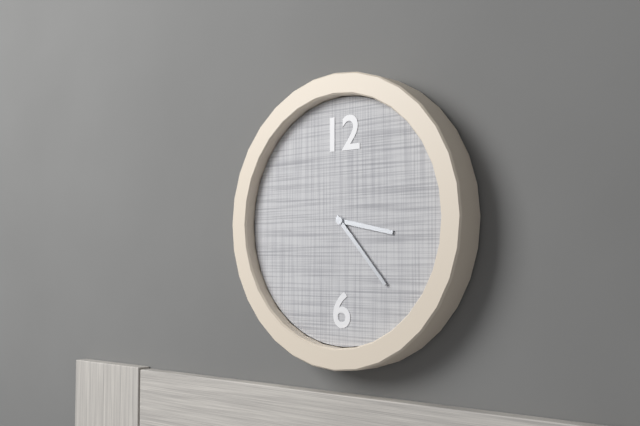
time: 3:23
